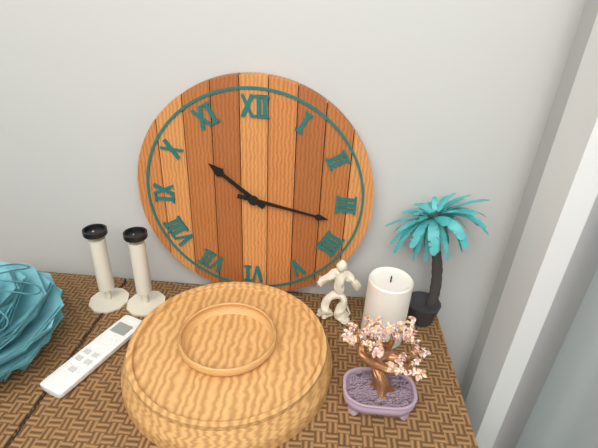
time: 10:17
